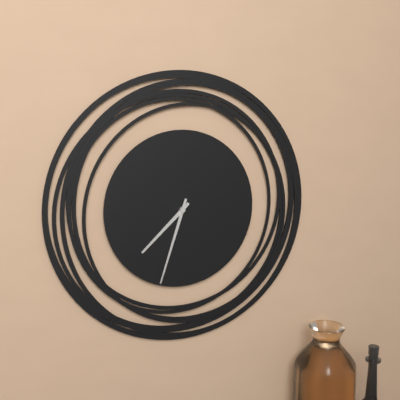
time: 7:33
